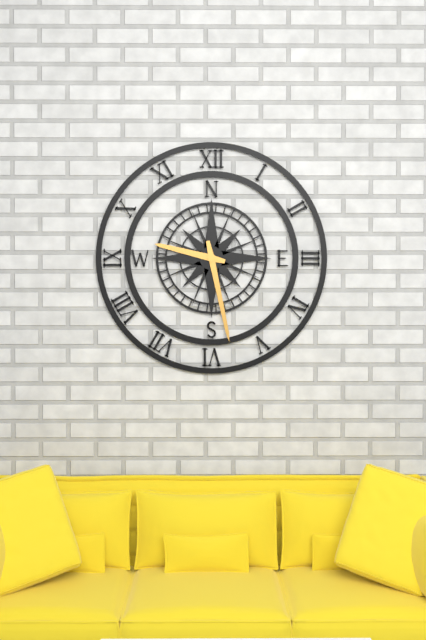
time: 9:28
